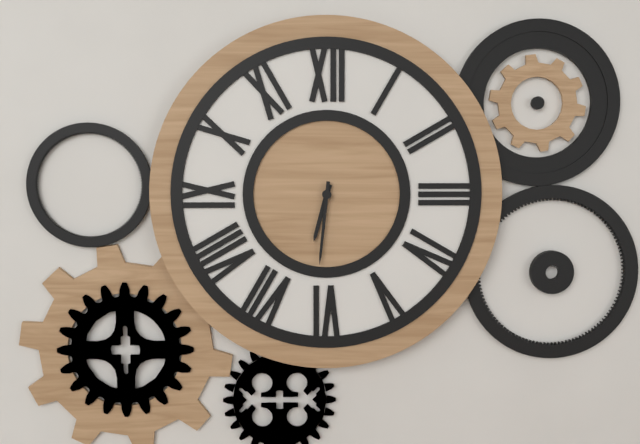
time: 6:31
